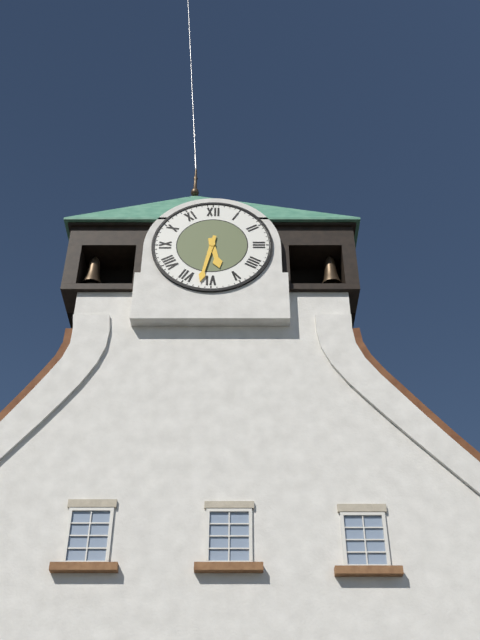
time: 5:32
